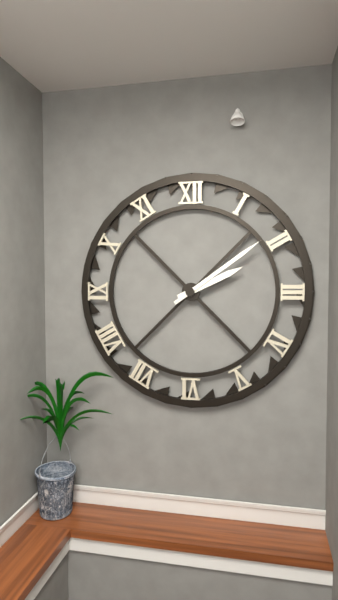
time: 2:09
